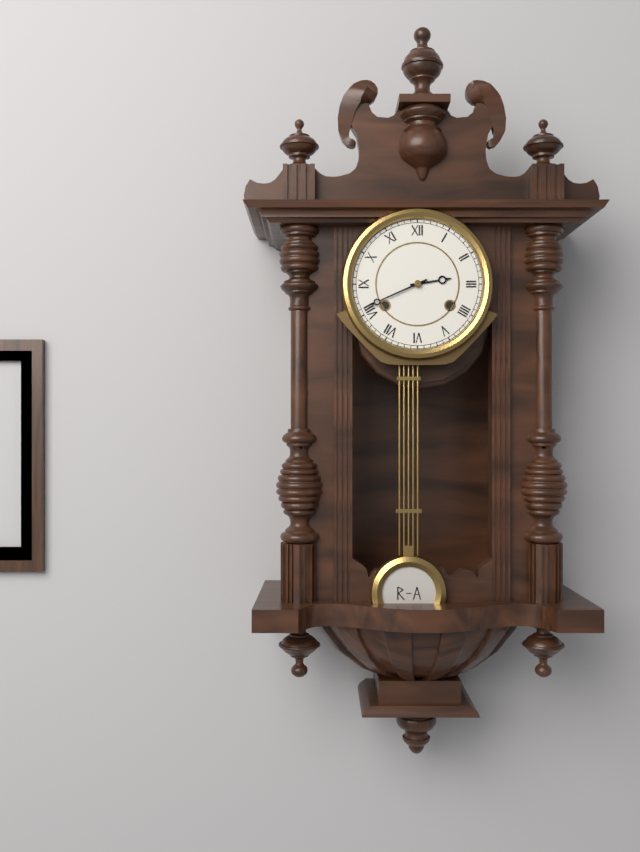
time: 2:41
